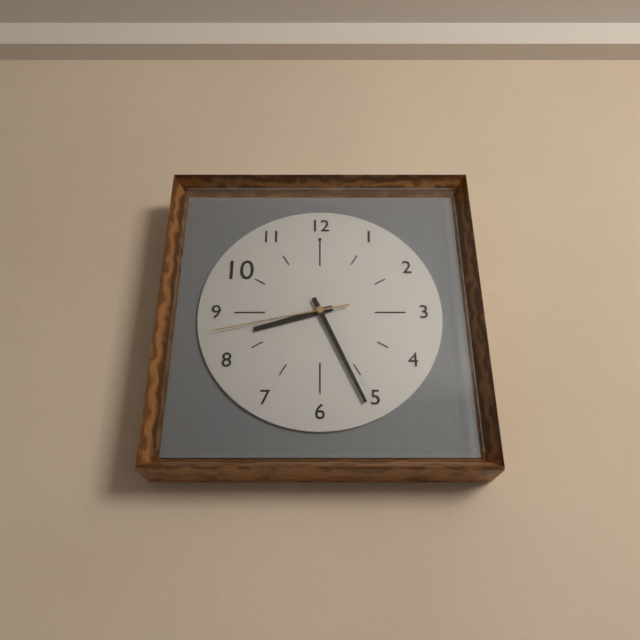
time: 8:26:43
